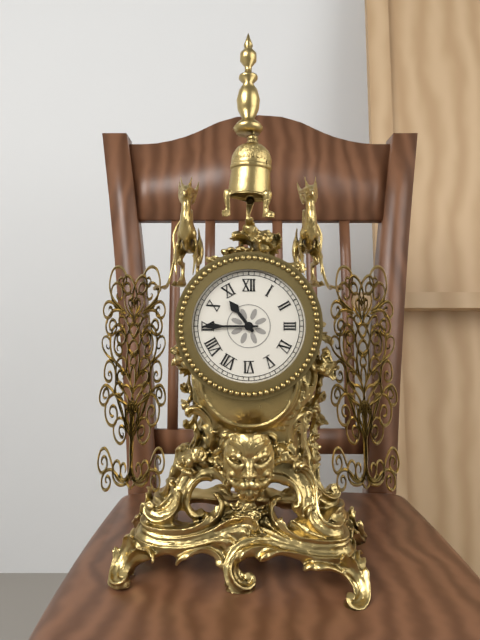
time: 10:45
